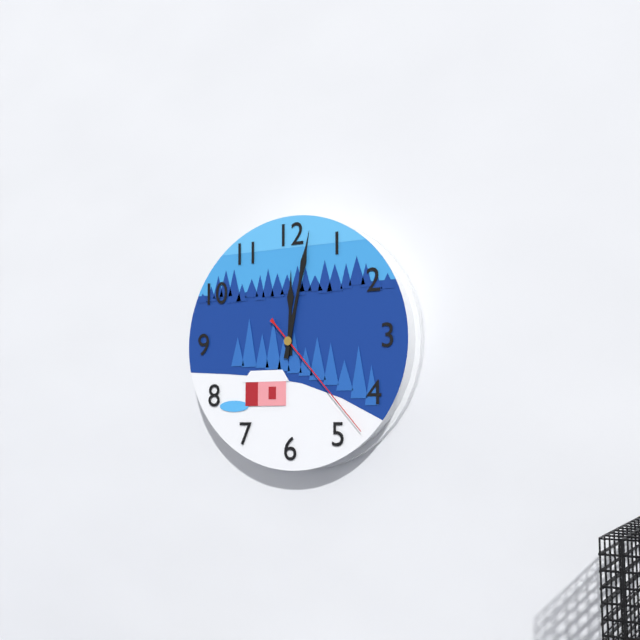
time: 12:02:23
